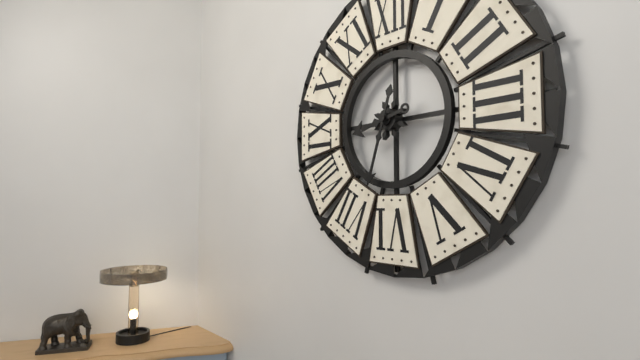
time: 8:33
